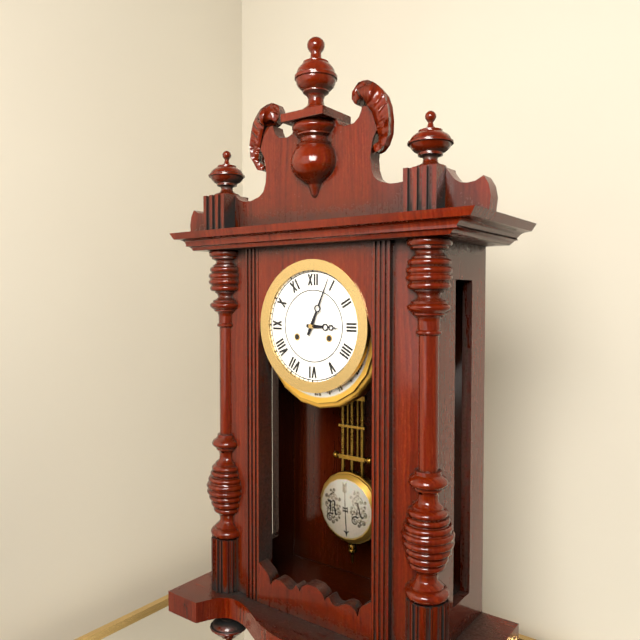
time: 3:04
